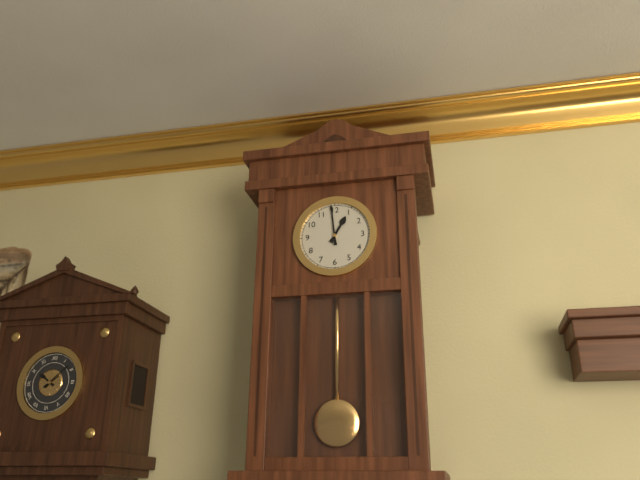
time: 12:59
